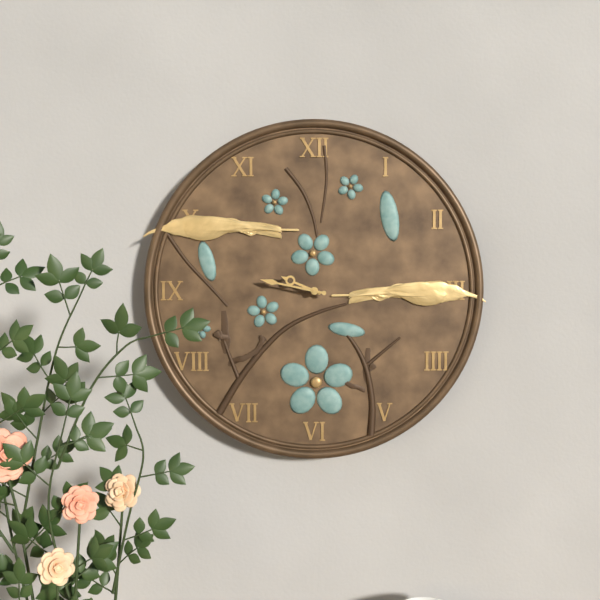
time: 9:47
